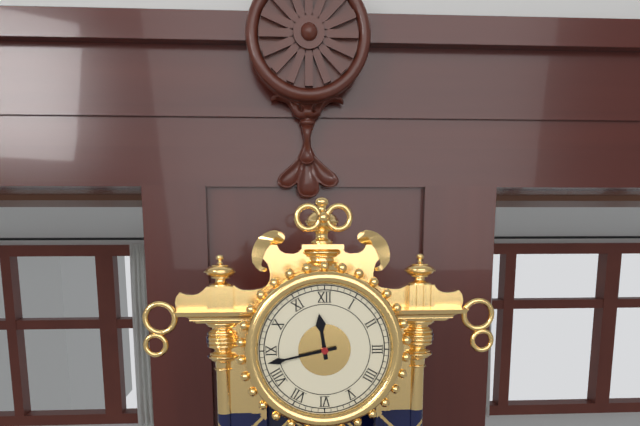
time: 11:43
